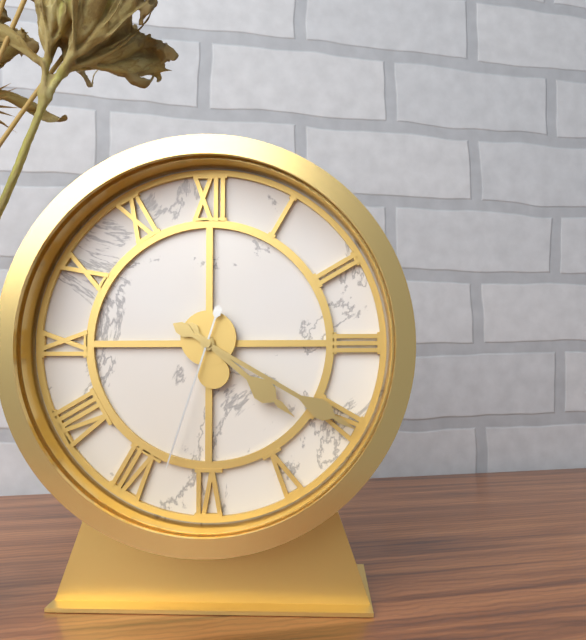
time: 4:20:33
